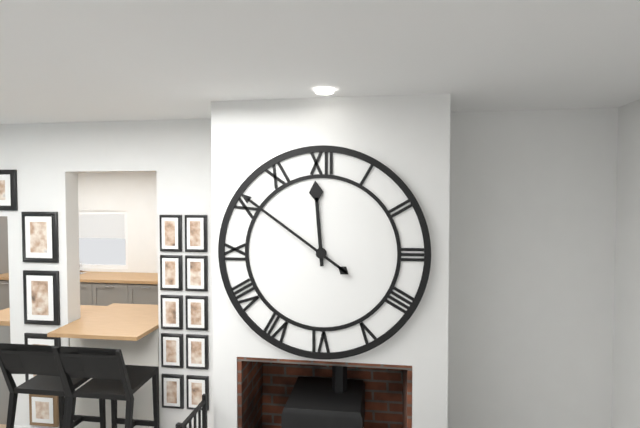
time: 11:51
